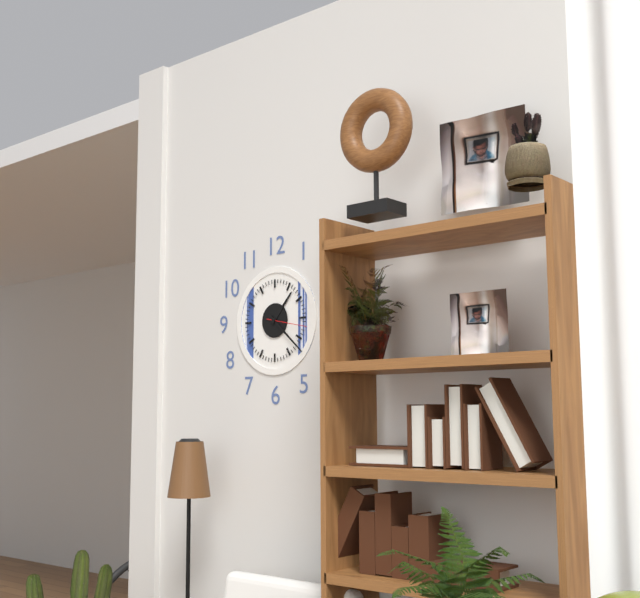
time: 1:22
